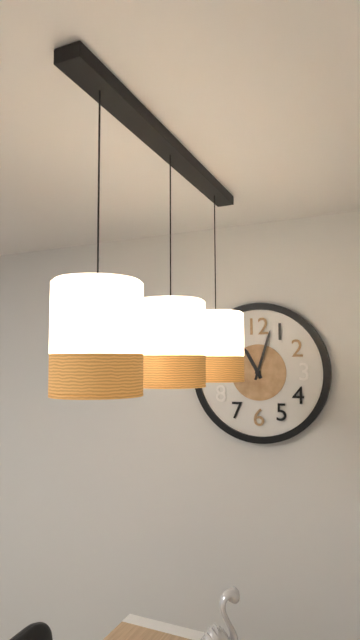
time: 11:03
